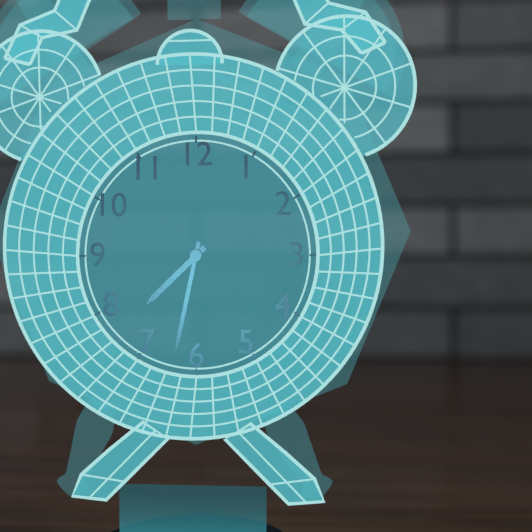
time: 7:32
